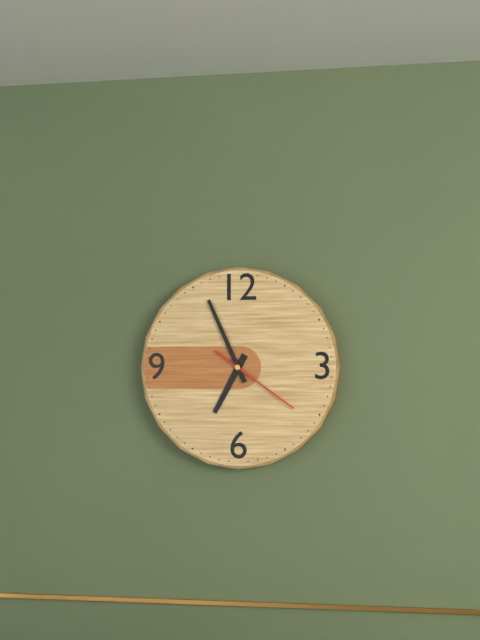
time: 6:56:21
